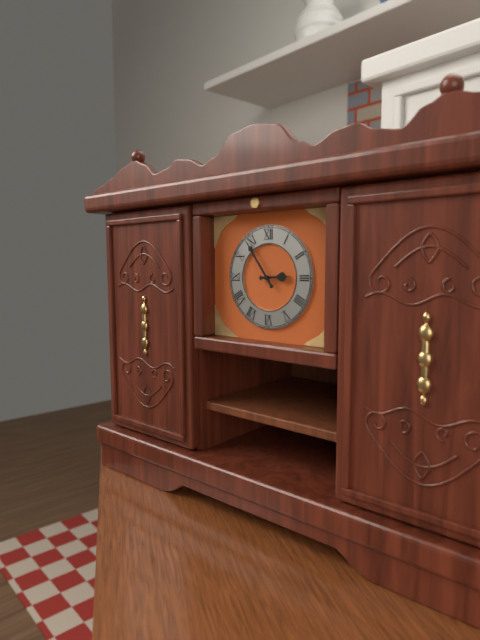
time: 2:54
